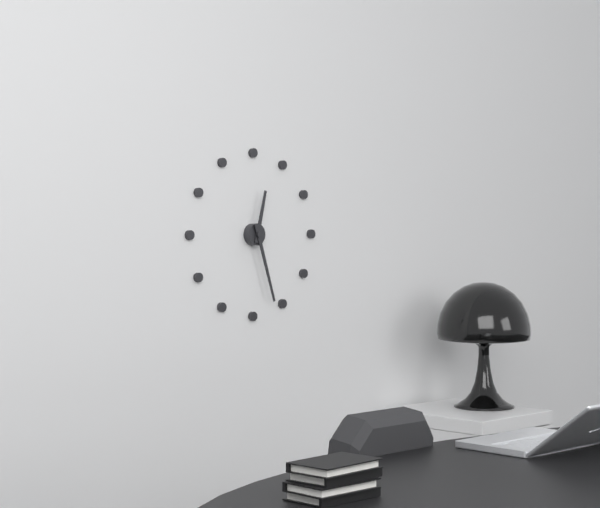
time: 12:27
